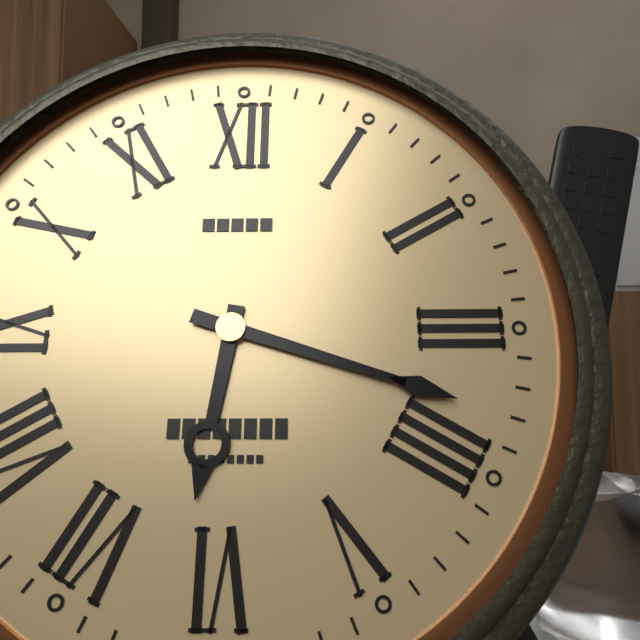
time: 6:18
